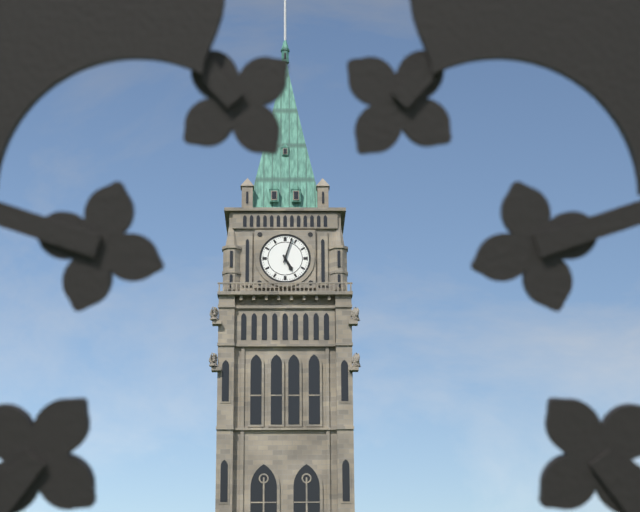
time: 5:03
